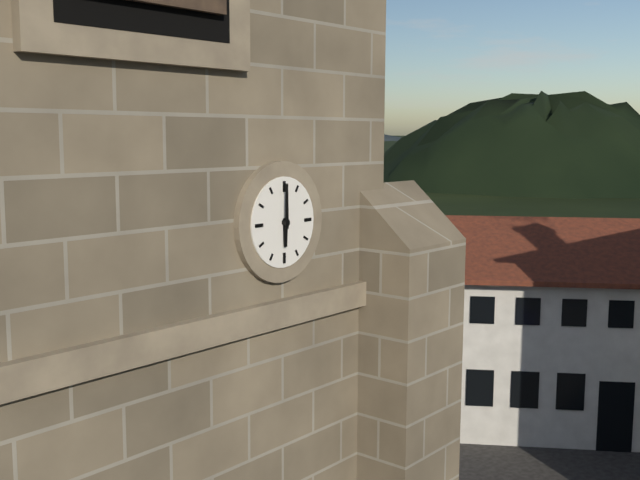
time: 6:00
